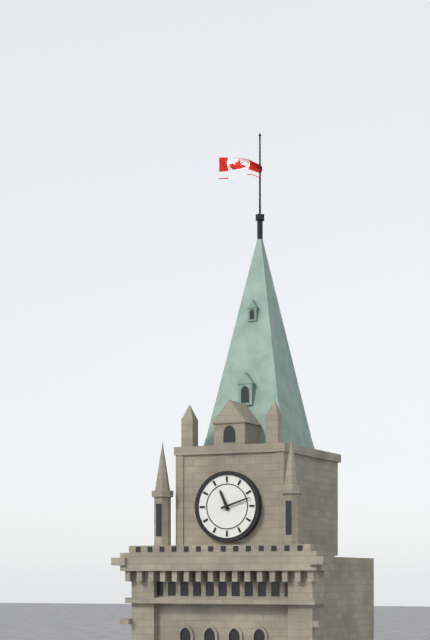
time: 11:12
